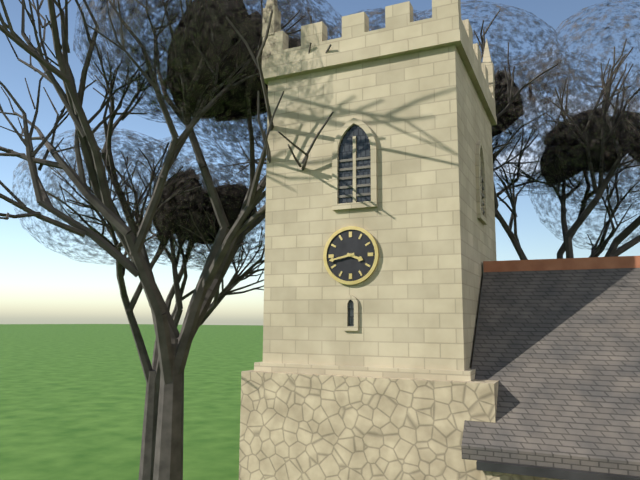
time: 3:43
